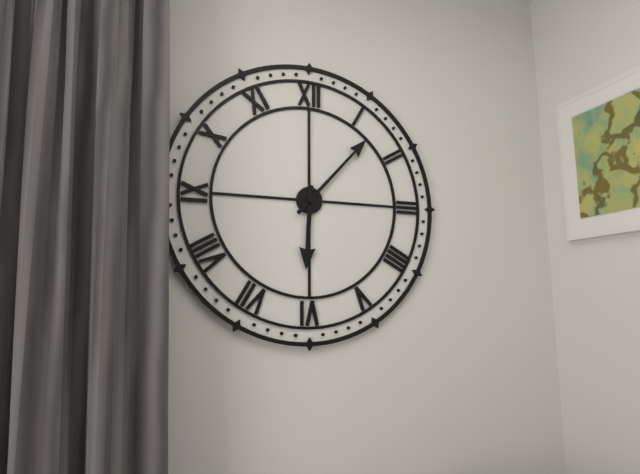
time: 6:07
